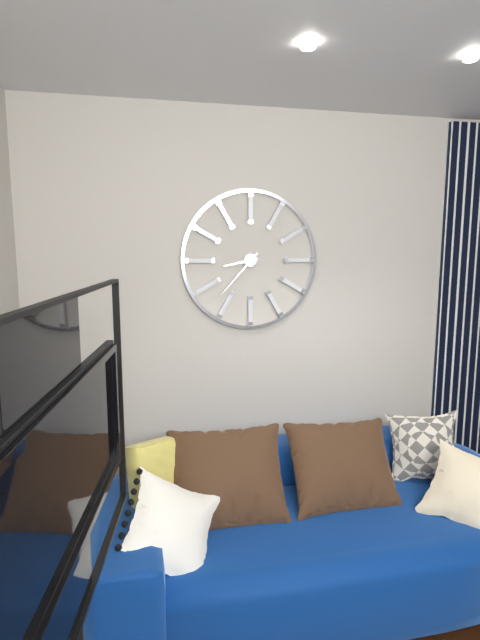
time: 8:37
